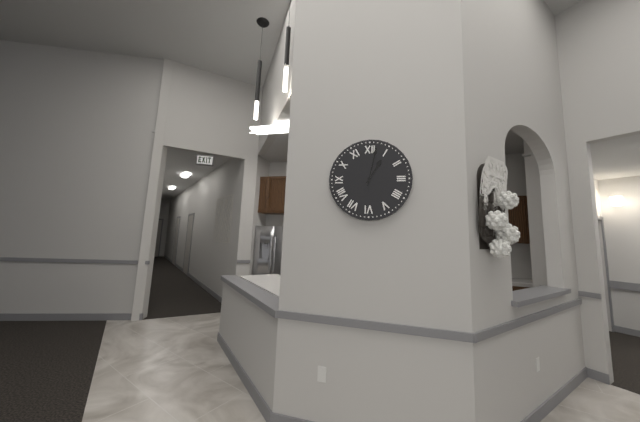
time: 1:02
